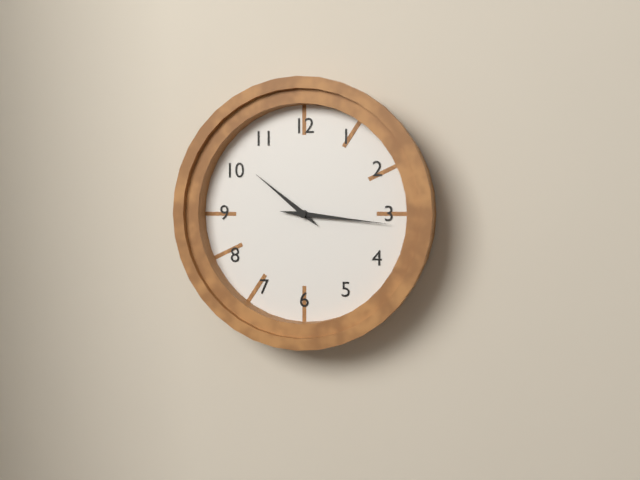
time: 10:16
